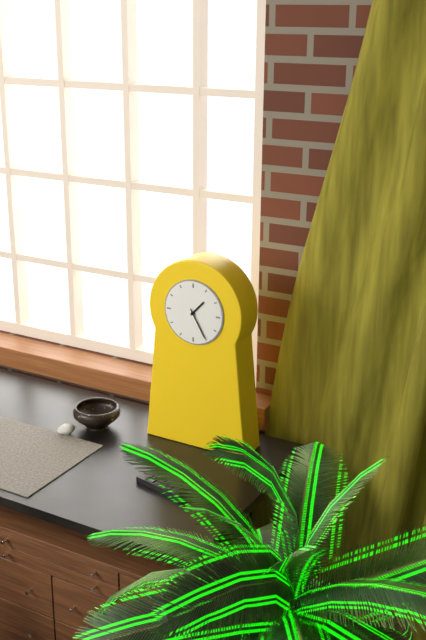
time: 1:25
